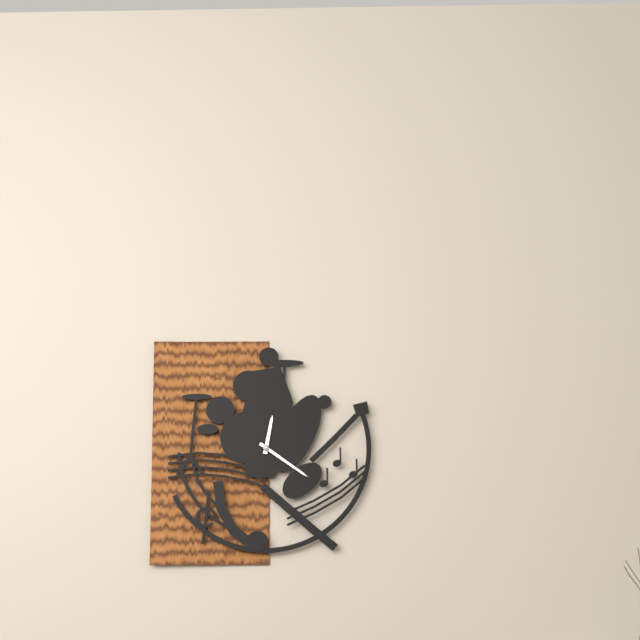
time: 12:21
